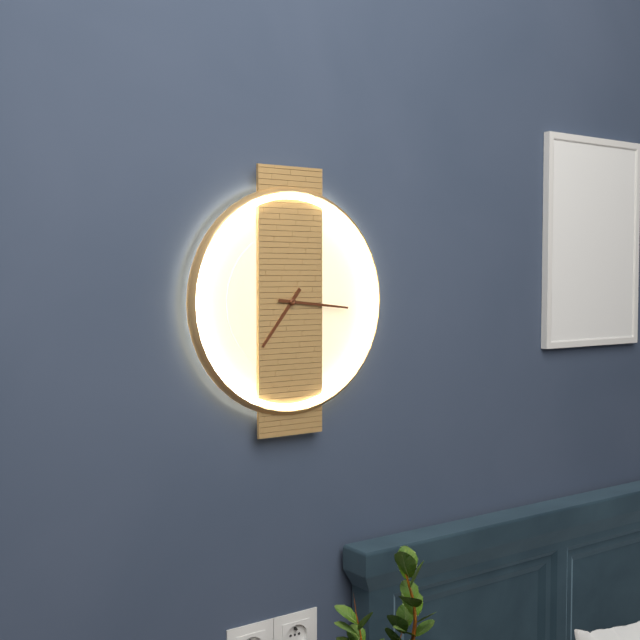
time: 7:16
